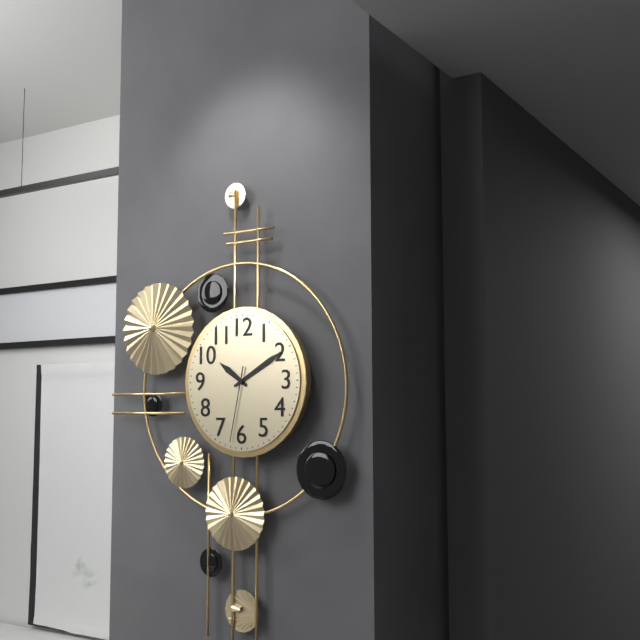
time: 10:10:32
